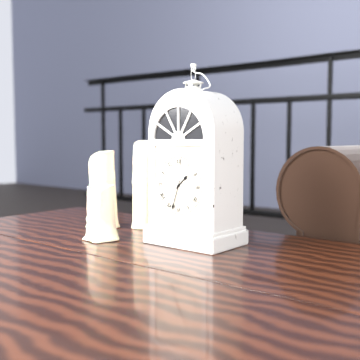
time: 1:33
